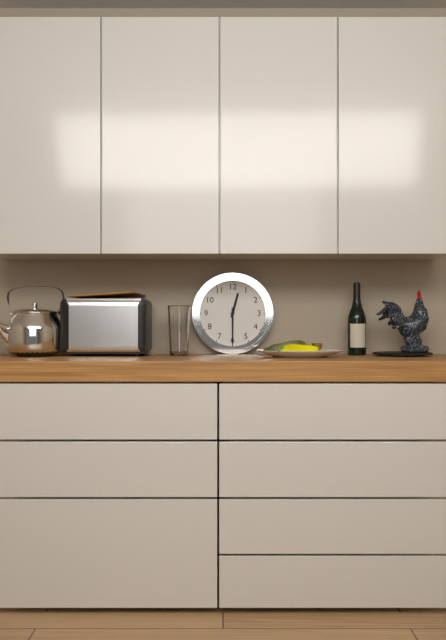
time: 12:30
